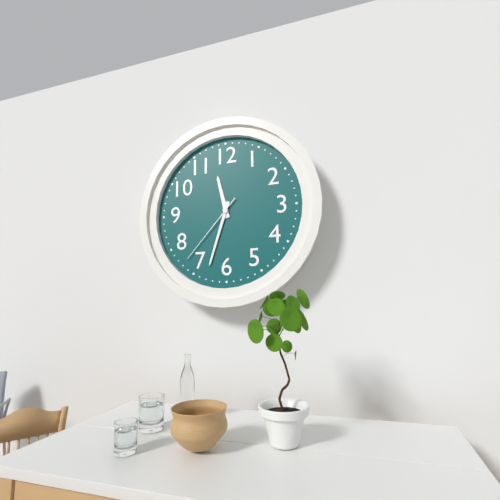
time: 11:33:37
